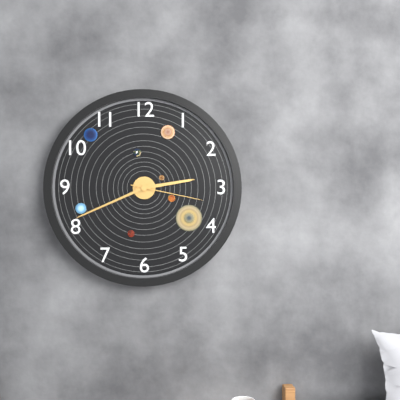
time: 2:41:17
